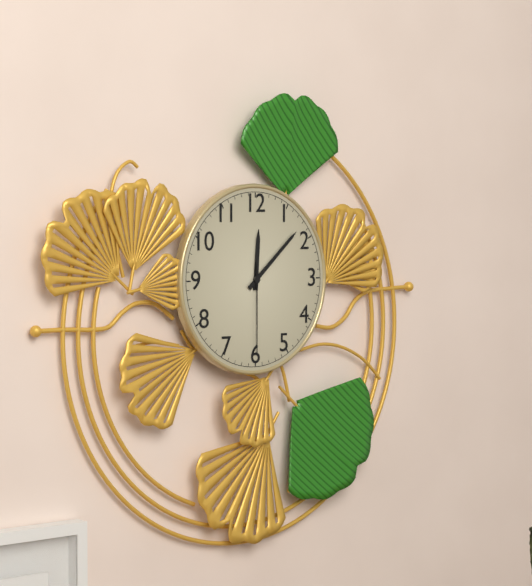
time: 12:08:30
